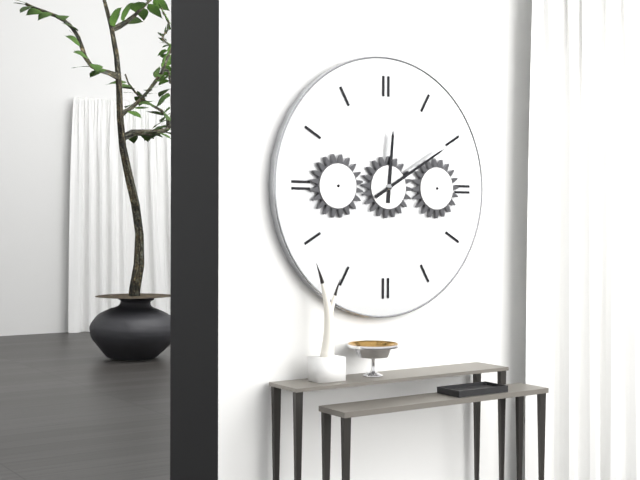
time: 12:10
